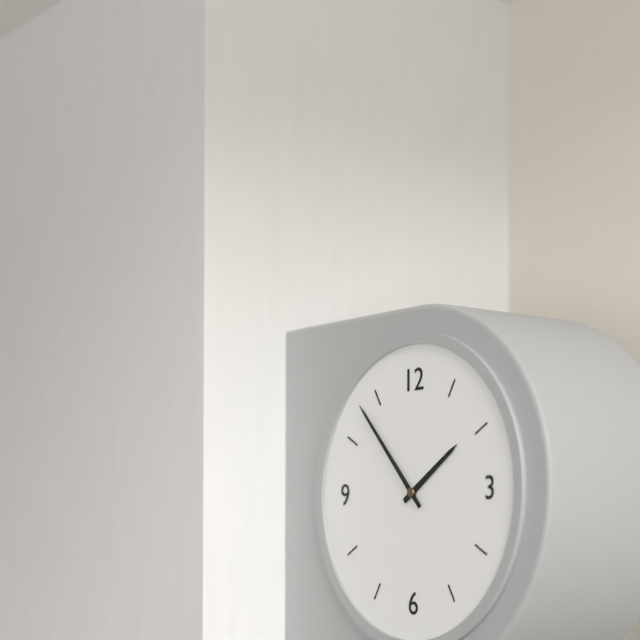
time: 1:53
